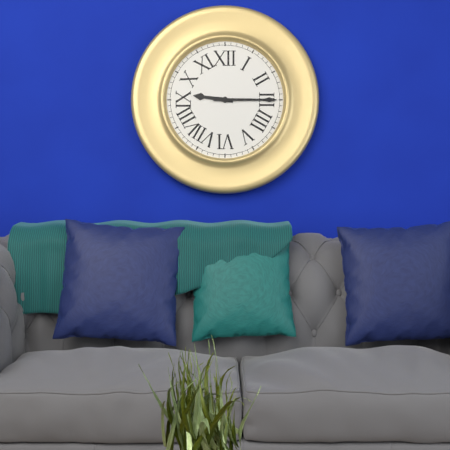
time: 9:15
